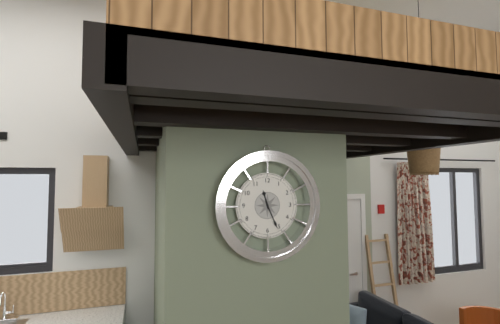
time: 11:26
